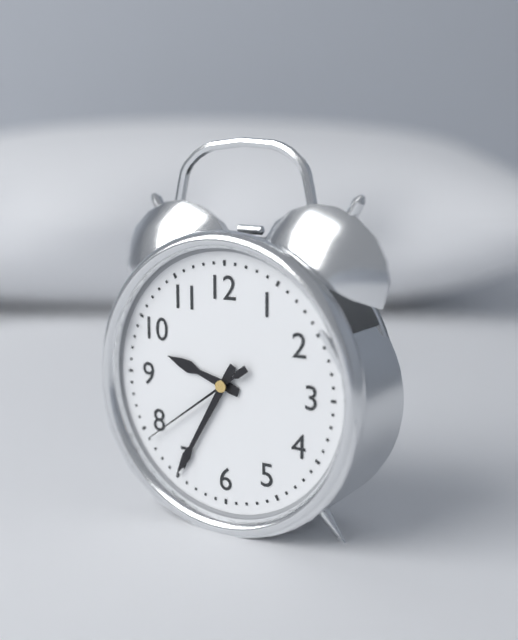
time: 9:35:39
